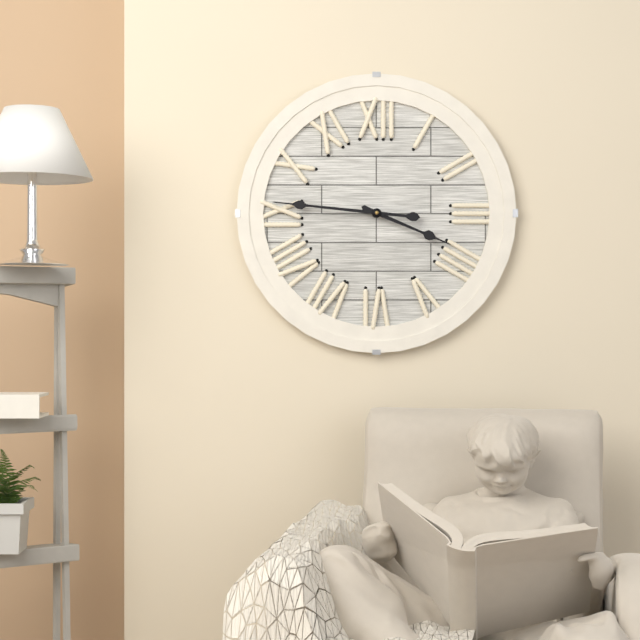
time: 3:46
